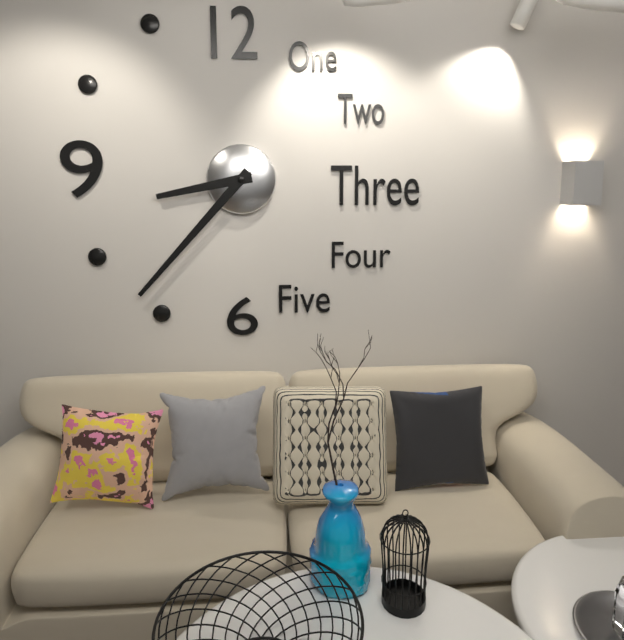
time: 8:37
